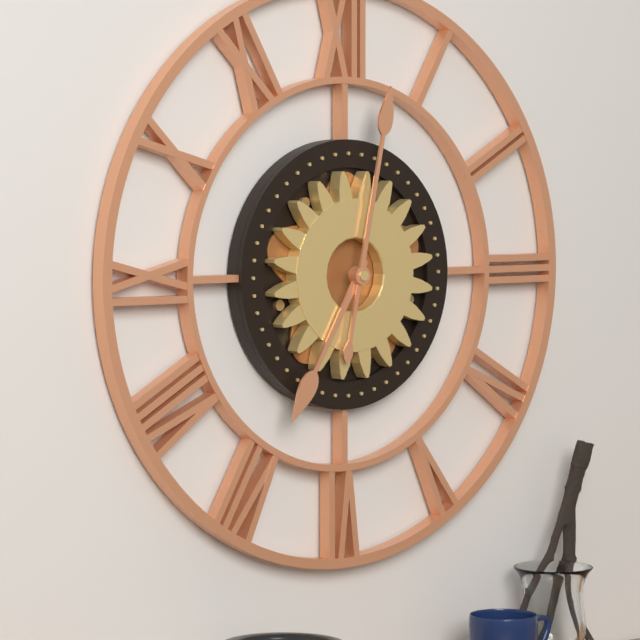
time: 7:02
